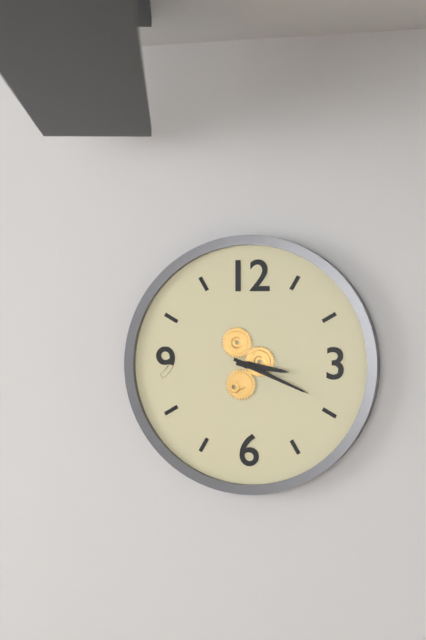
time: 3:19
